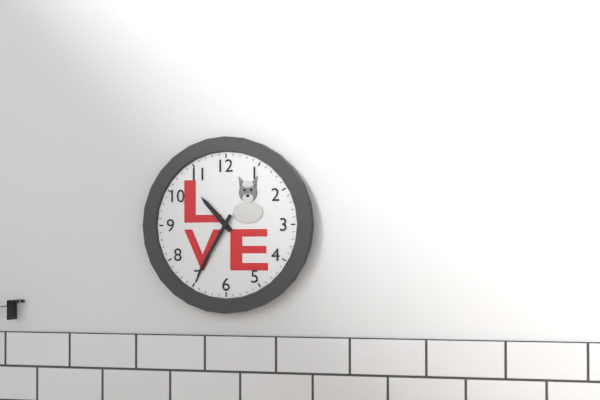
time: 10:35
